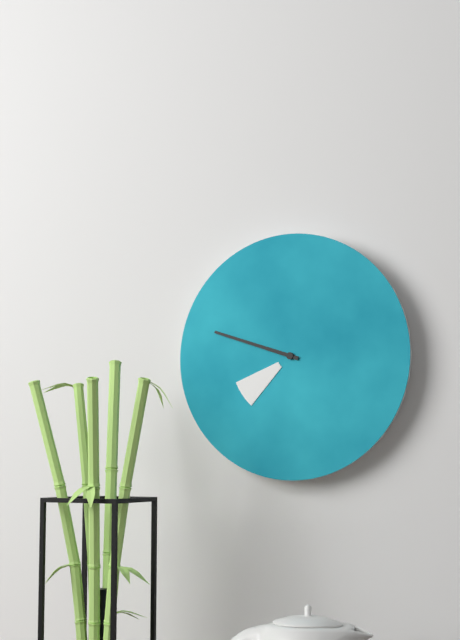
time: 7:48
